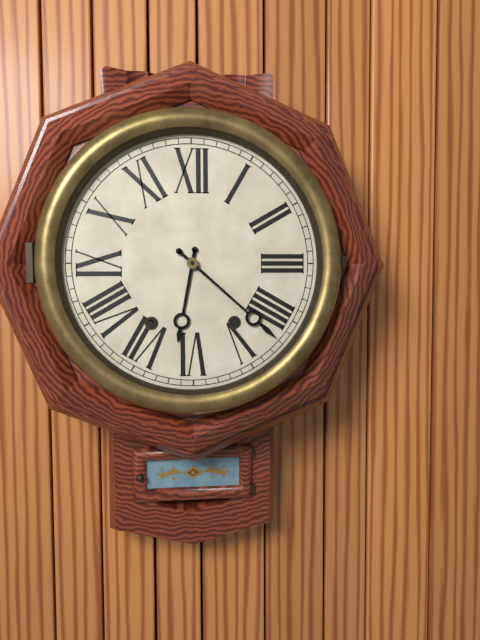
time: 6:22
